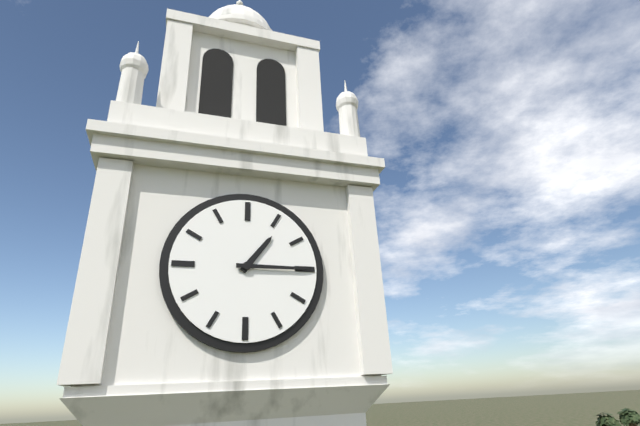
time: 1:15
